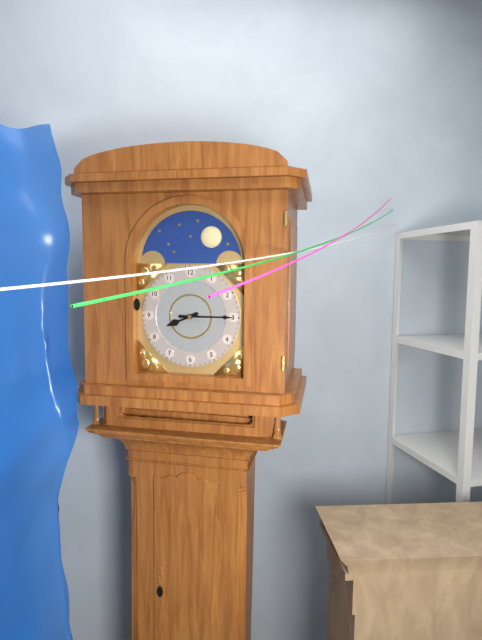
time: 8:15
